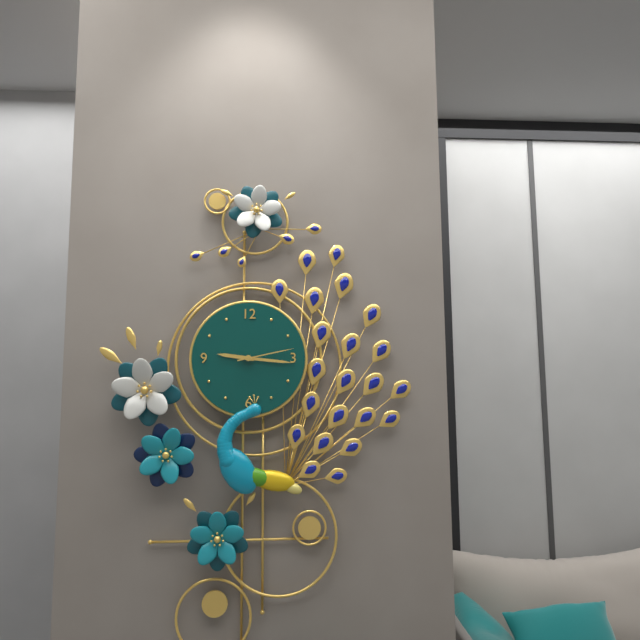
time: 9:16:13
